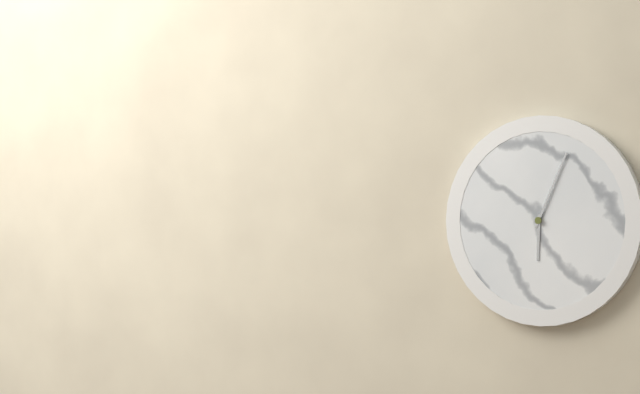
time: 6:04
